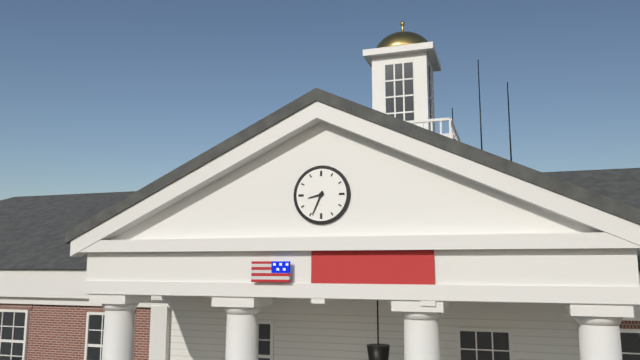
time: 8:34
